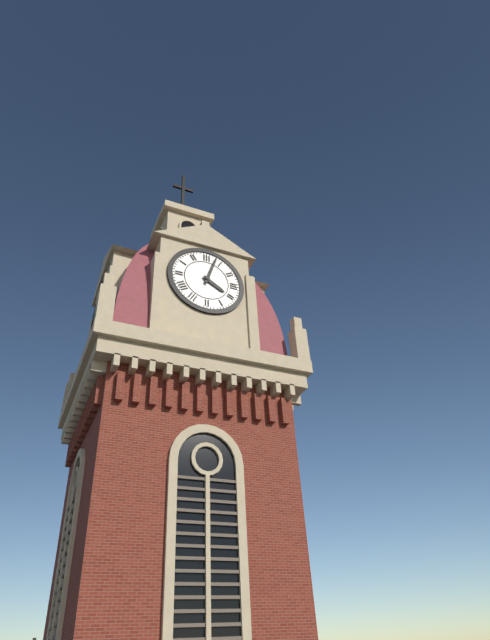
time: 4:03
